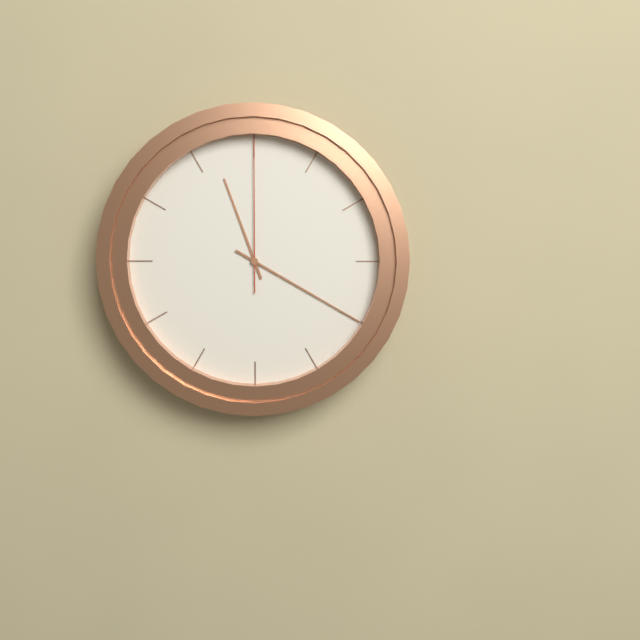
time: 11:20:00
